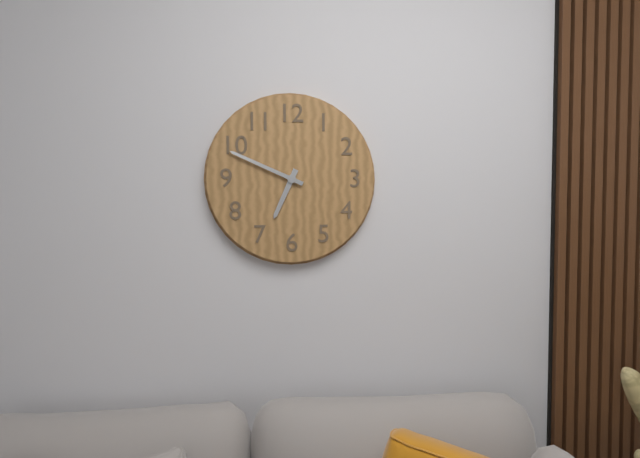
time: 6:49
